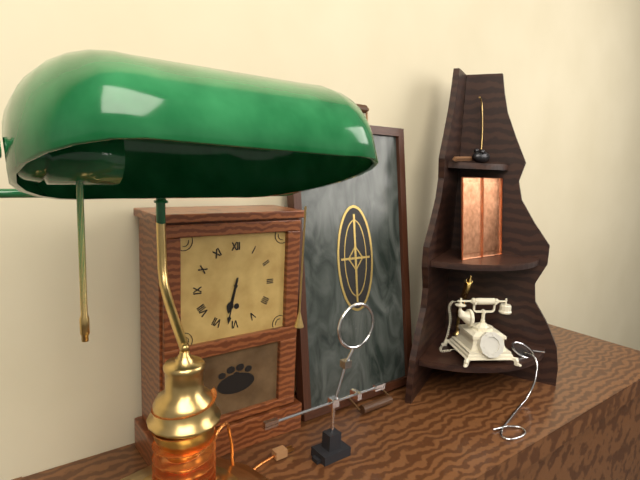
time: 6:32
